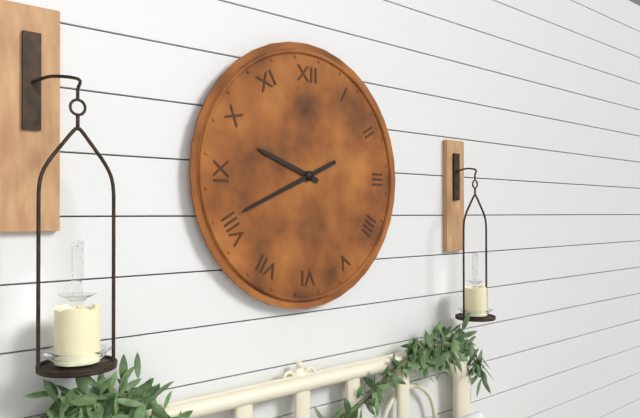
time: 9:41
